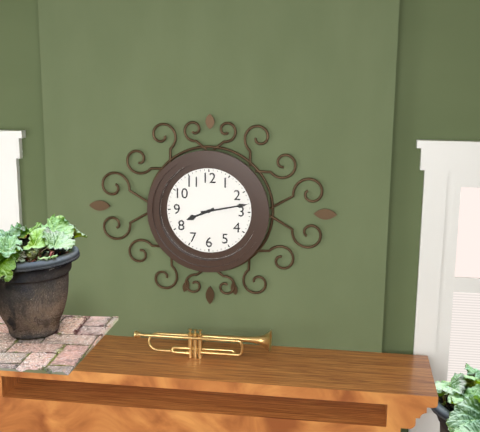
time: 8:13
